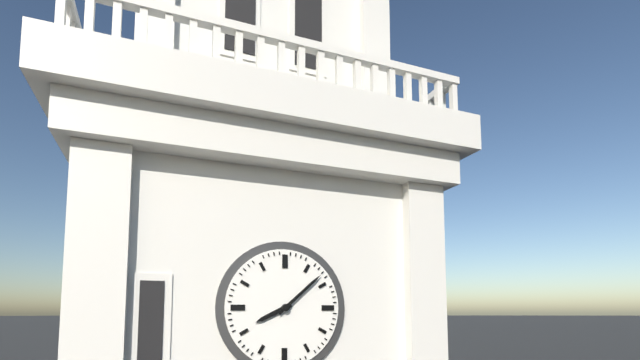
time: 8:08
